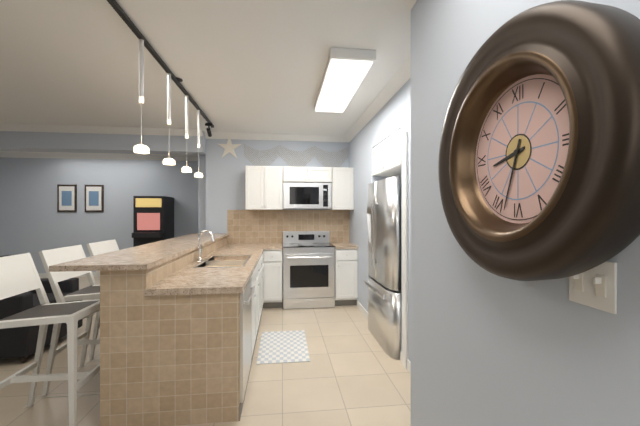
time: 8:33
